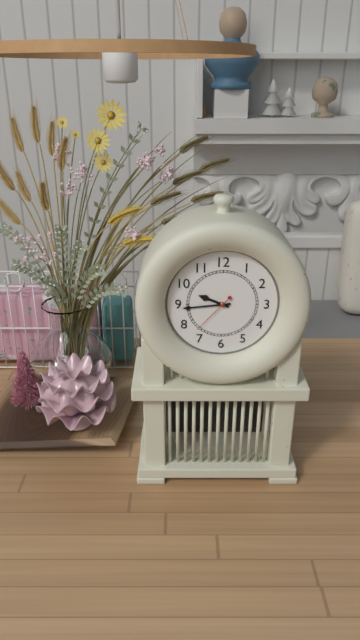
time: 9:44
